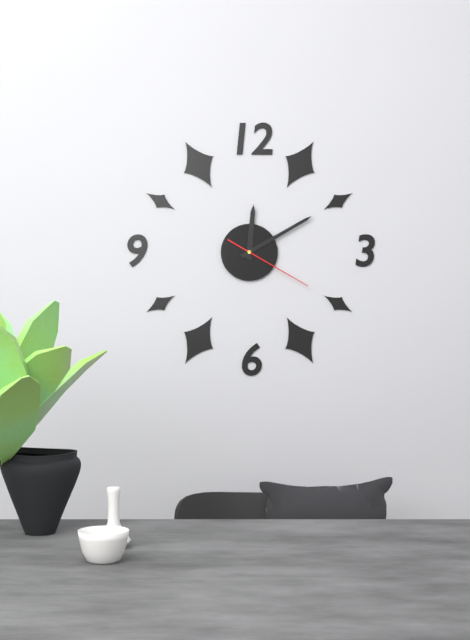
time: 12:10:20
